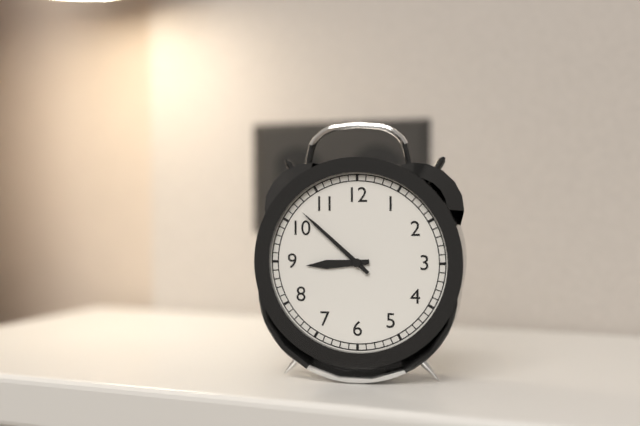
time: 8:52
